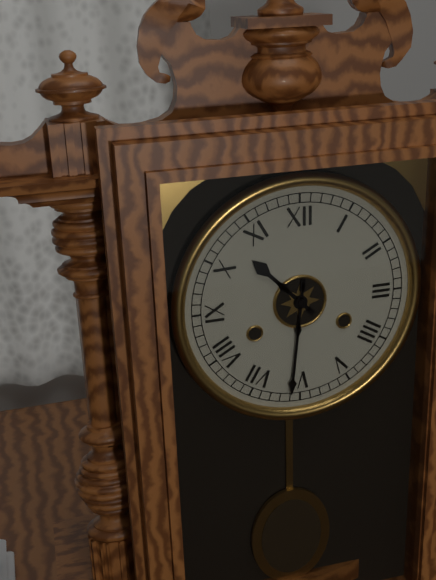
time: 10:31
